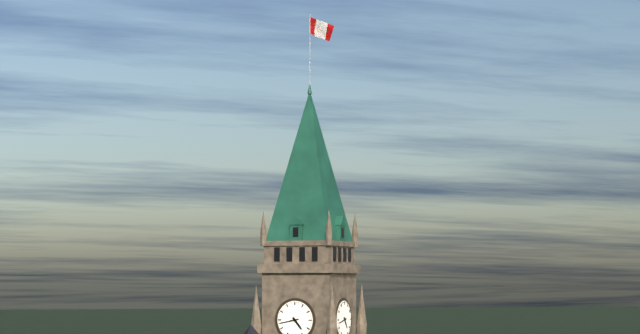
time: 4:43
